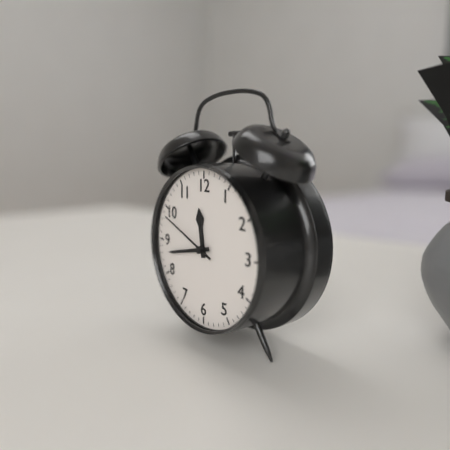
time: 11:43:49
